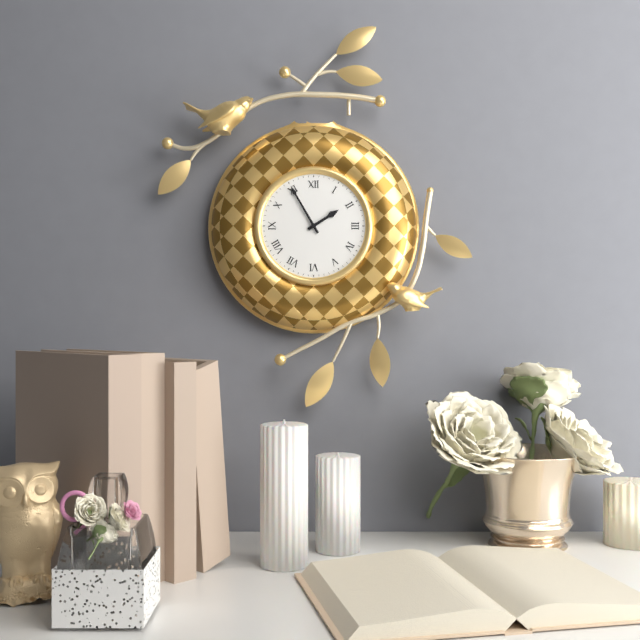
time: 1:55
